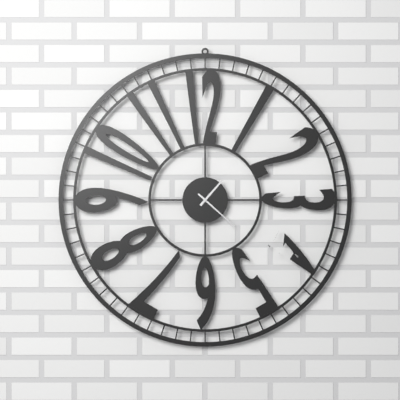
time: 1:22
